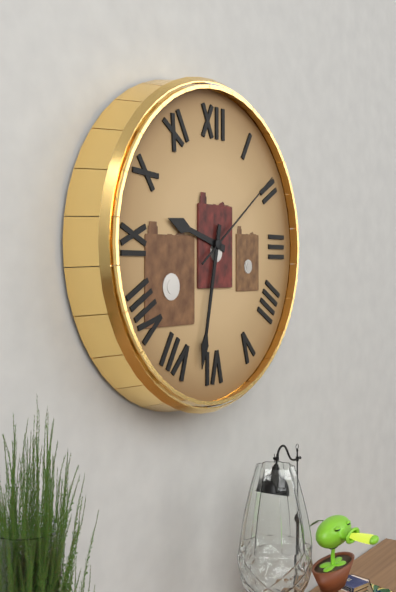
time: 9:32:09
